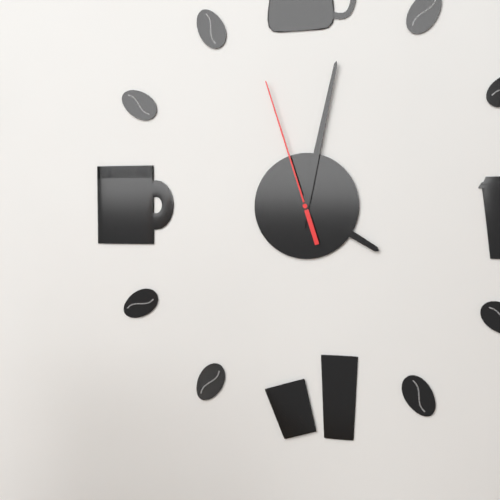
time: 4:02:57
